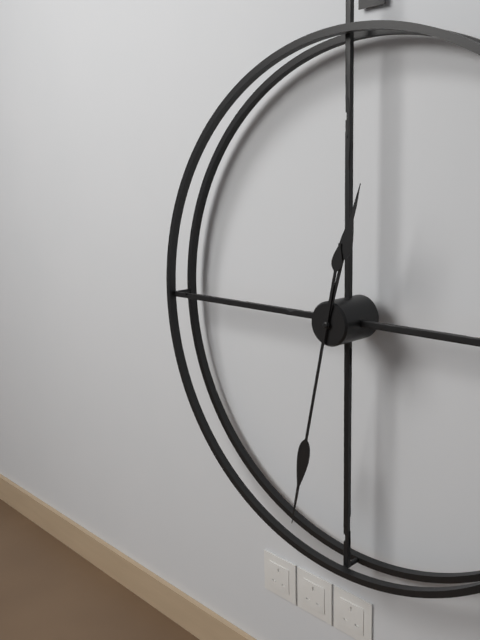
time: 12:32
